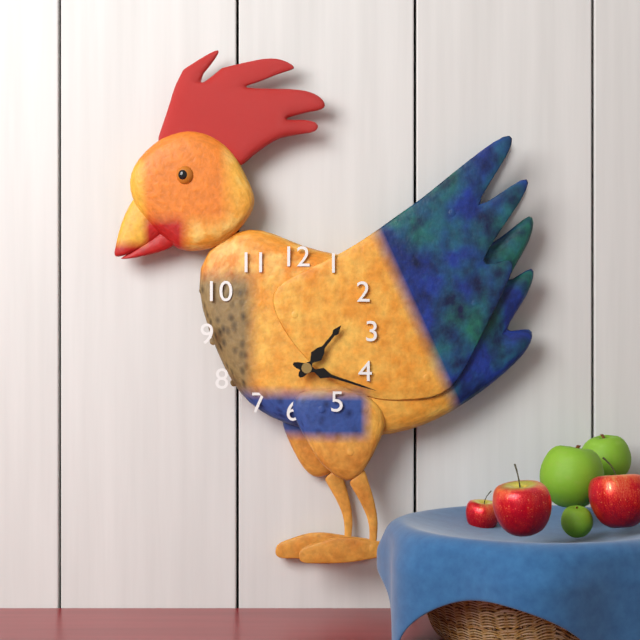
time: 1:18
